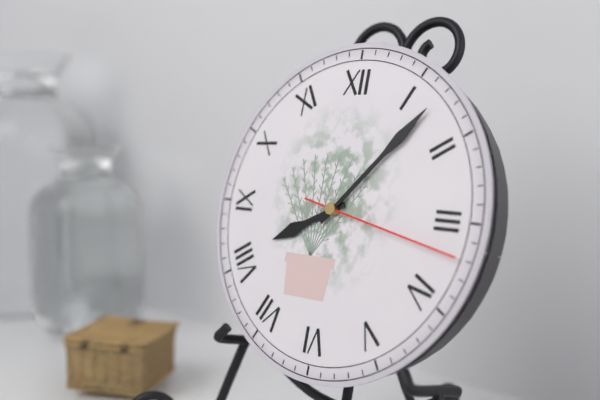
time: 8:07:17
